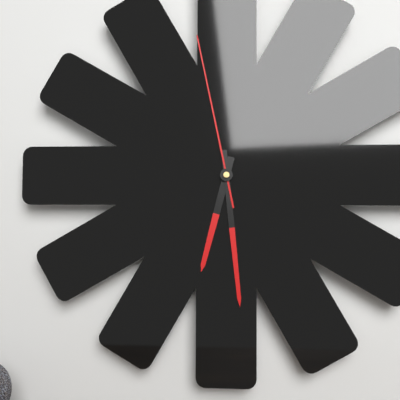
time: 6:29:58
